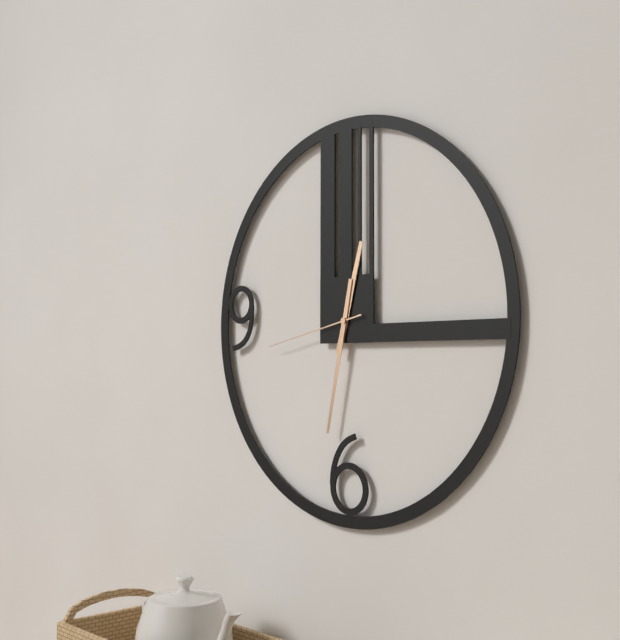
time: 12:32:43
